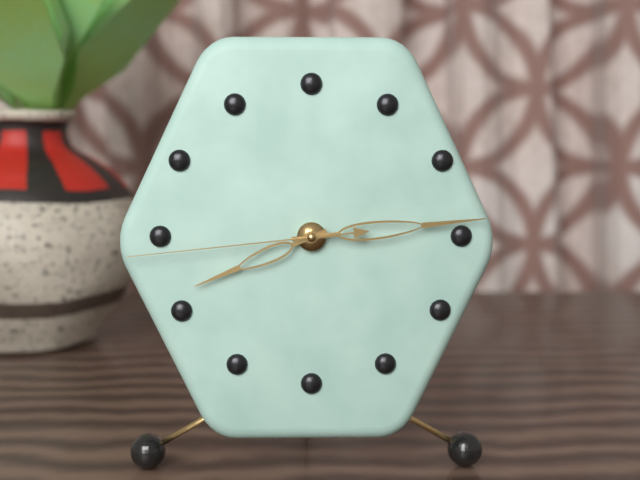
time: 8:14:44
